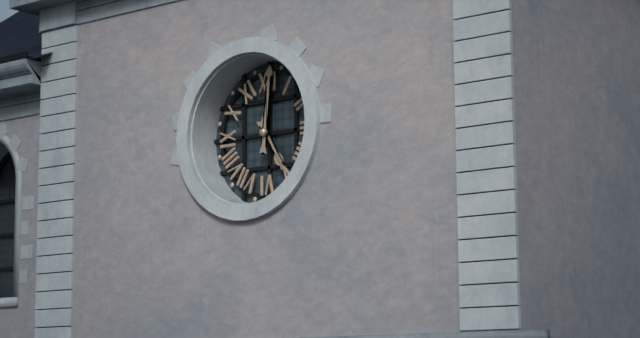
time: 5:01
